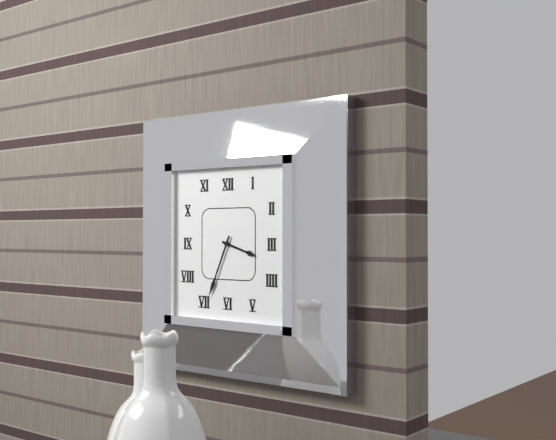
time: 3:34
